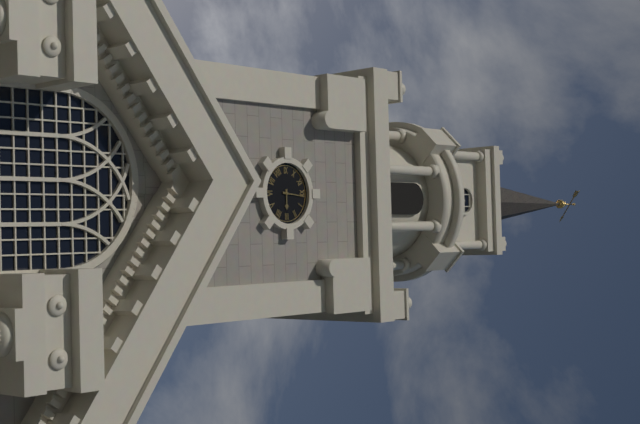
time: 3:01
